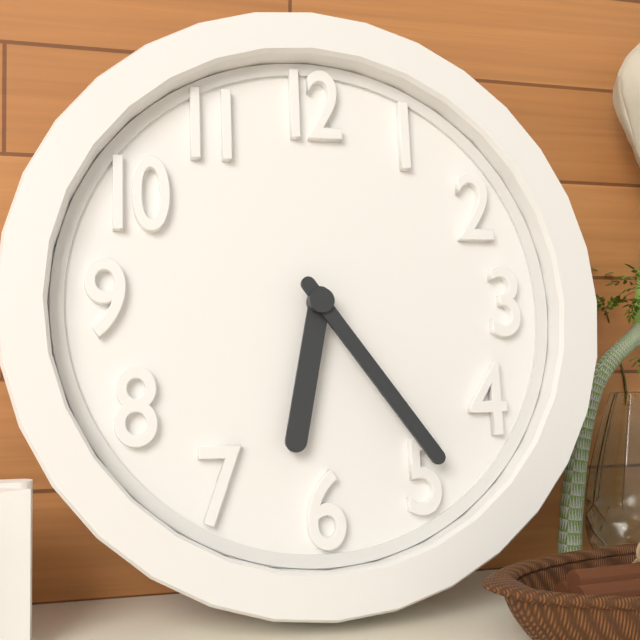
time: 6:24
